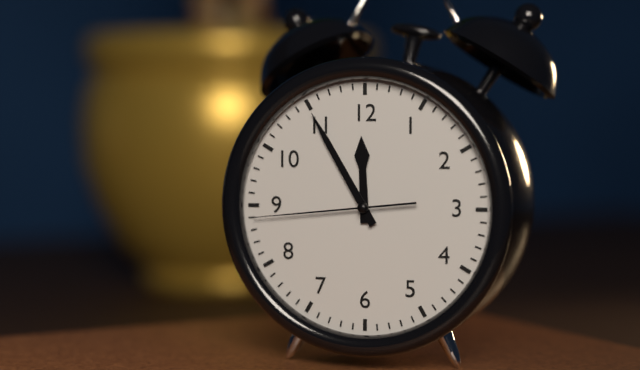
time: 11:55:44
